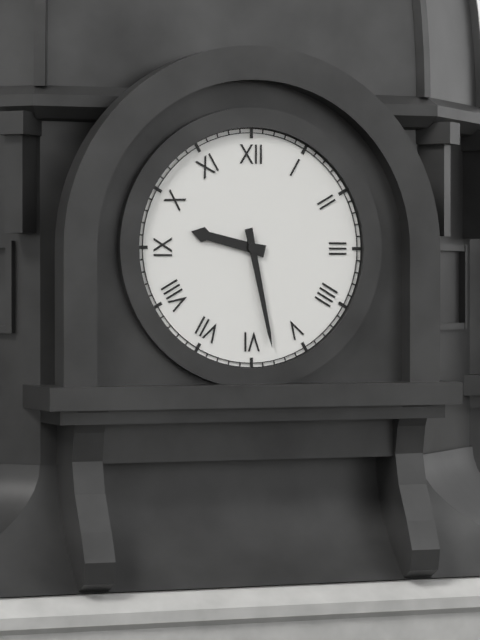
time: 9:28
